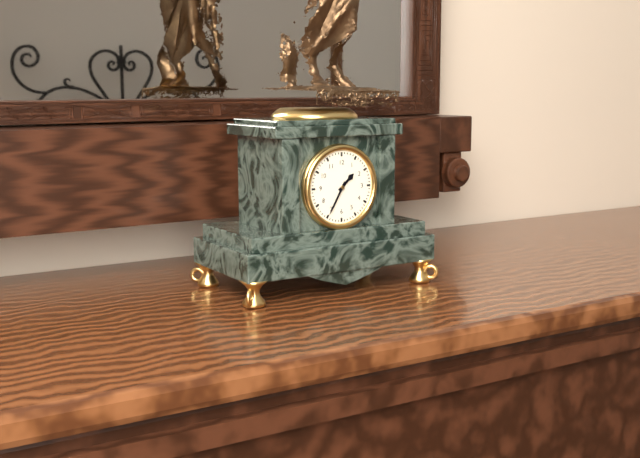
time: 1:35
